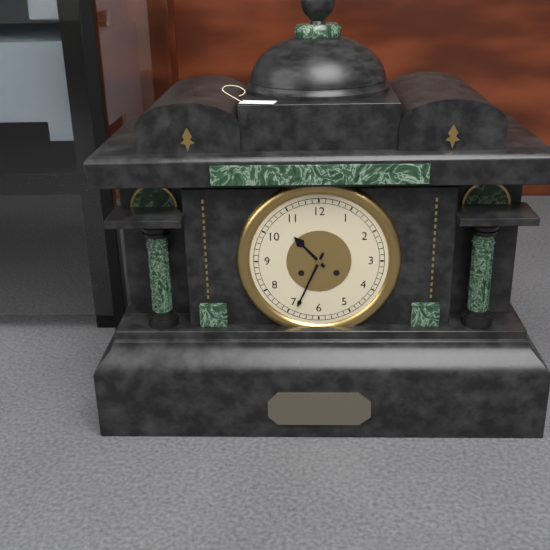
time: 10:34
